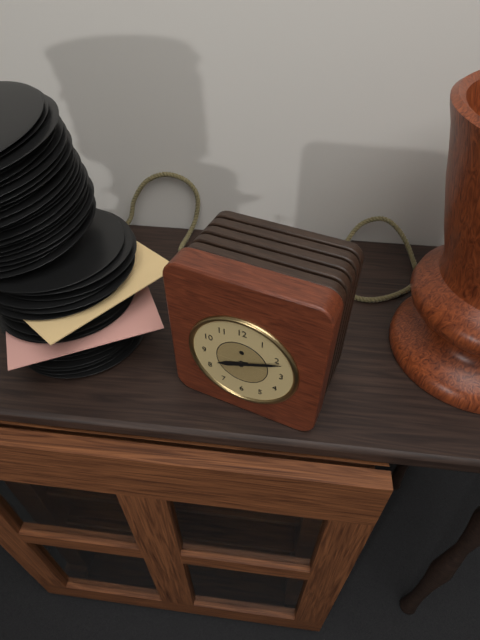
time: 8:11
